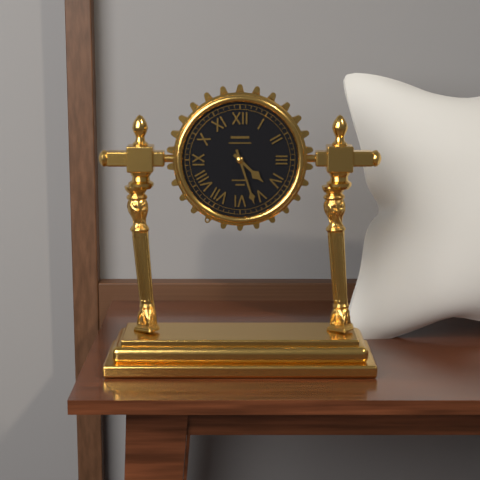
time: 4:27
